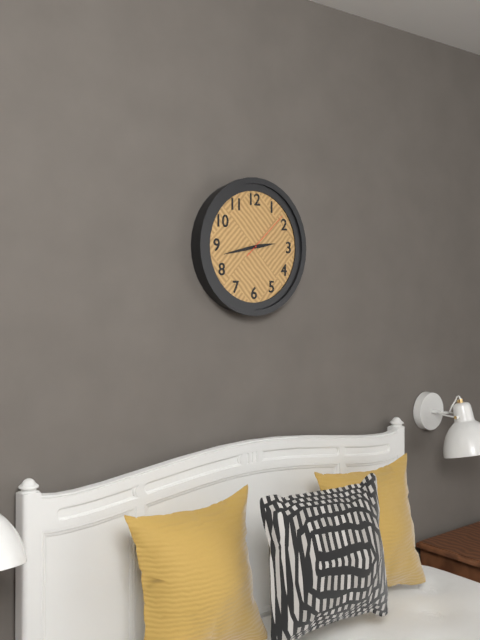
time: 2:43:08
